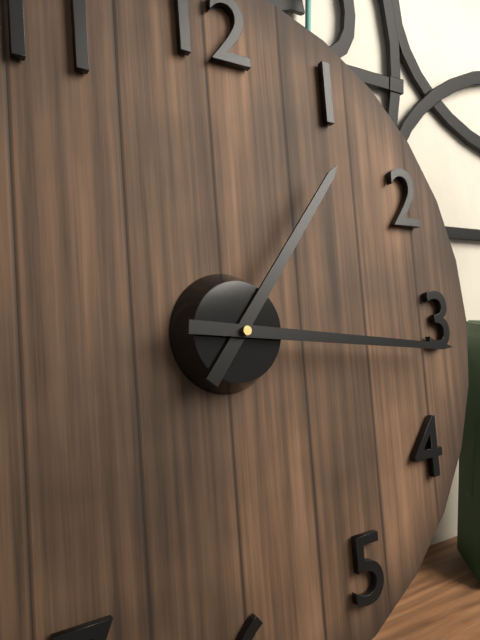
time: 1:16
